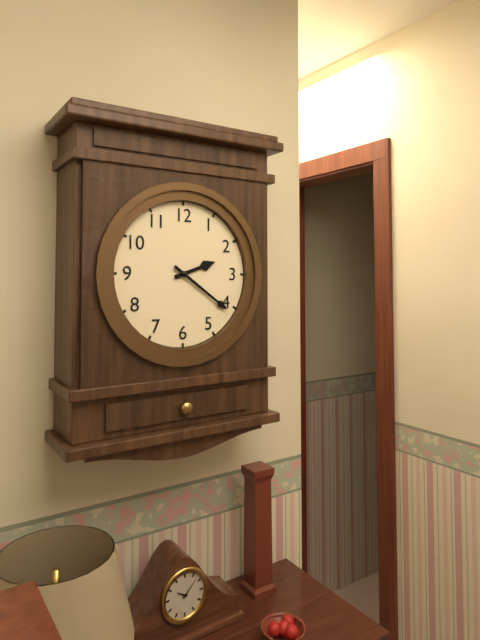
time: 2:21
